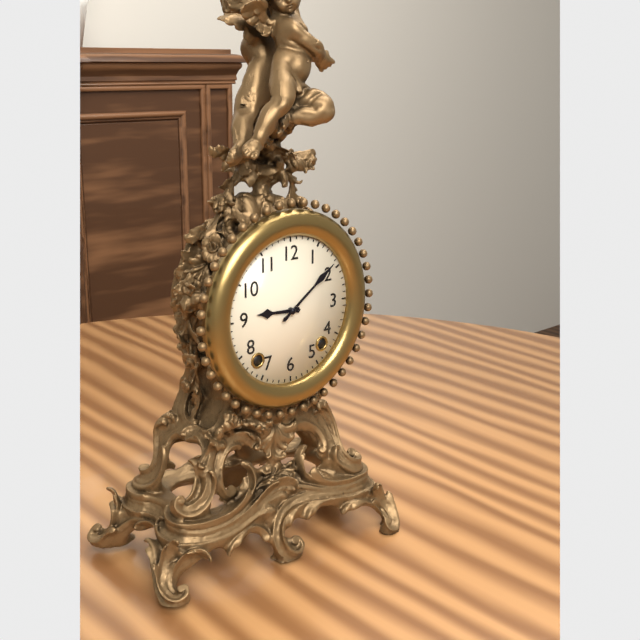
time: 9:09
